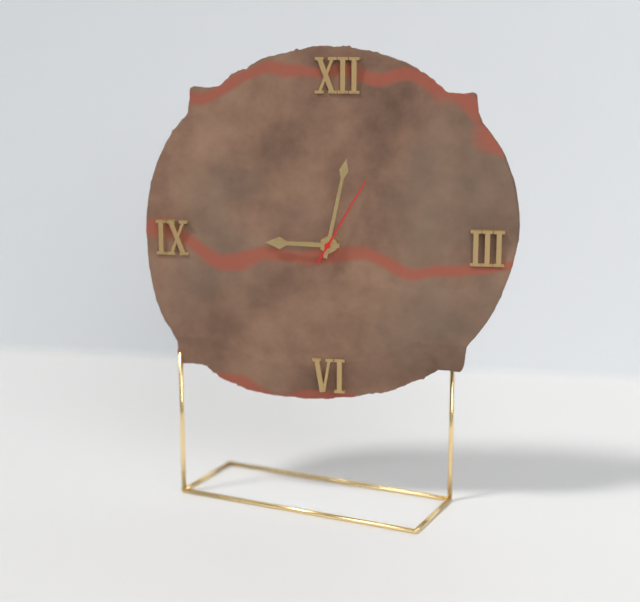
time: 9:02:05
